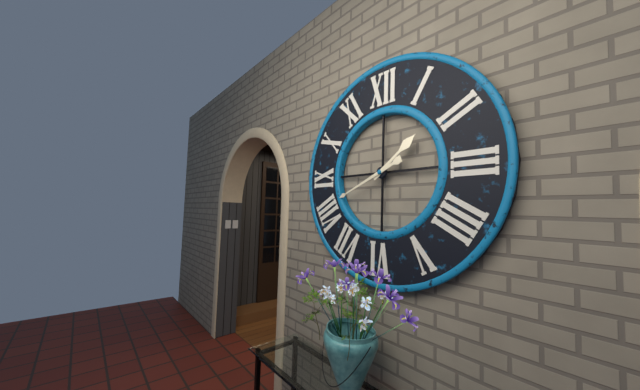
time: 1:41
